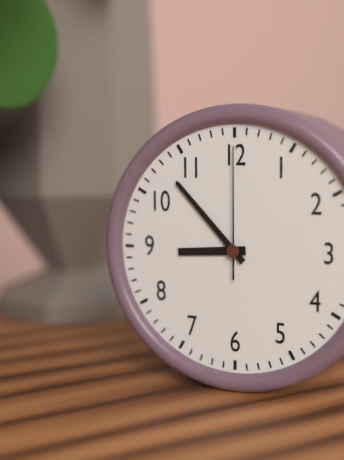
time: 8:53:00
